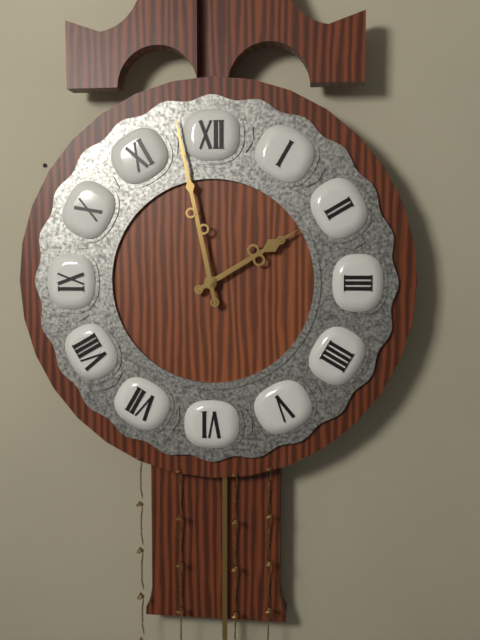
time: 1:58
